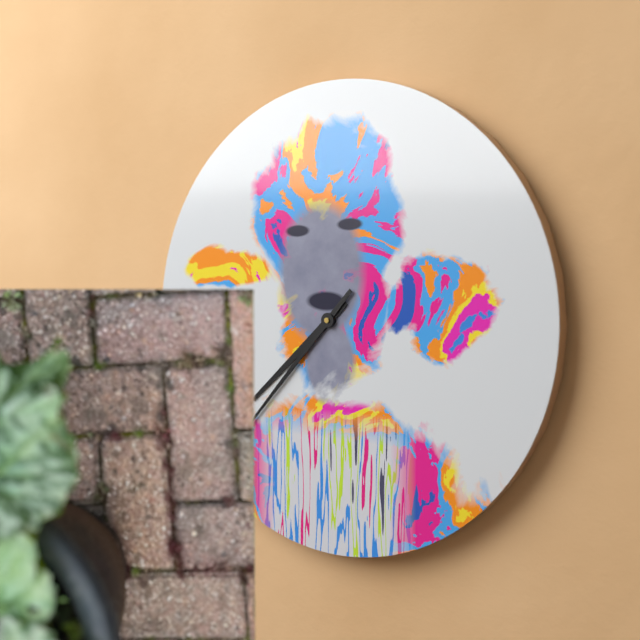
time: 7:37
